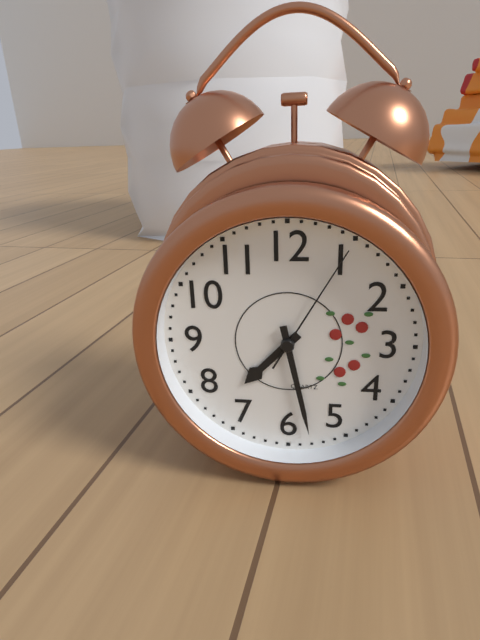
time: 7:28:05
